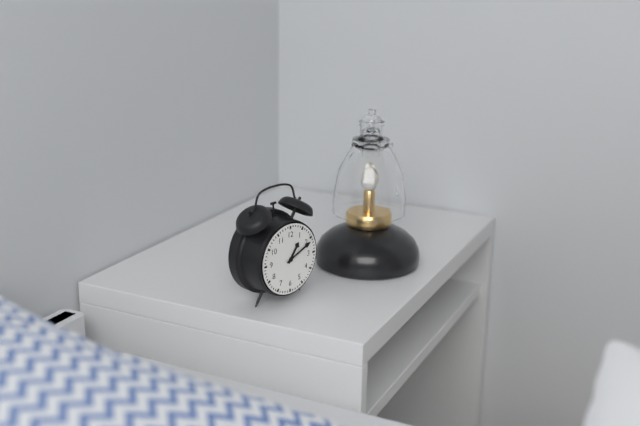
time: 1:11
